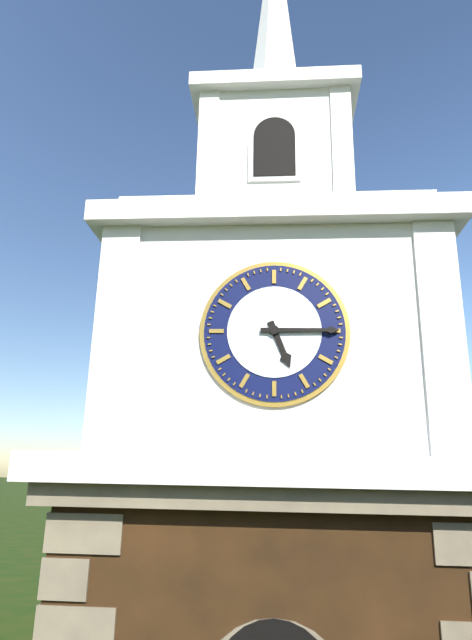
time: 5:15
